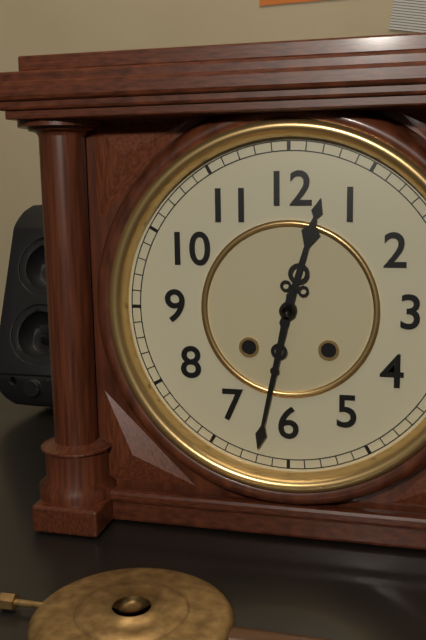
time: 12:32
